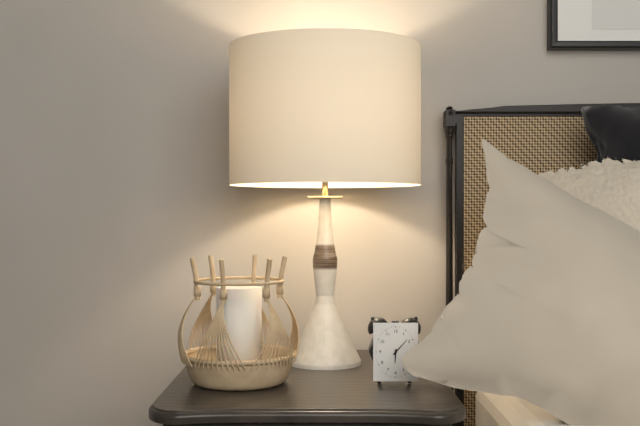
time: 6:07
